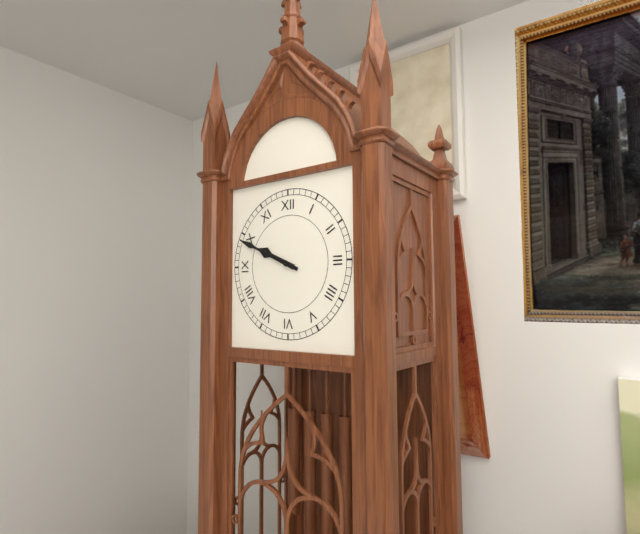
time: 9:49
